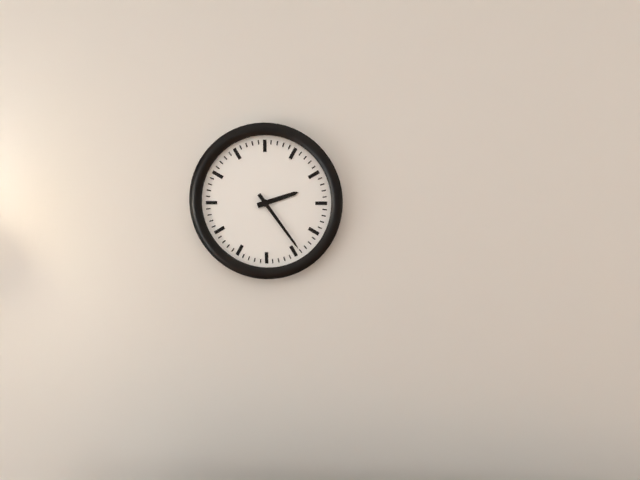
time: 2:24
